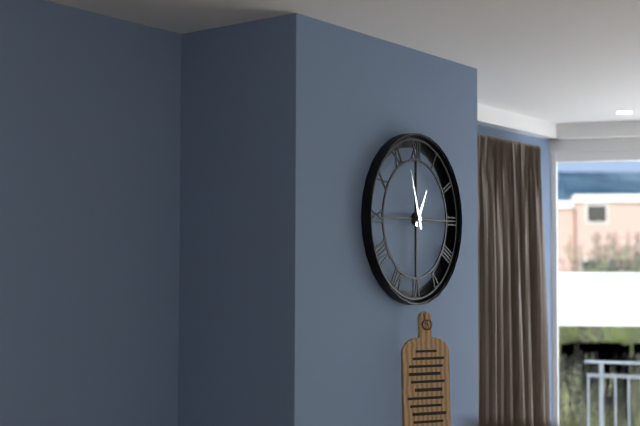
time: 12:57
